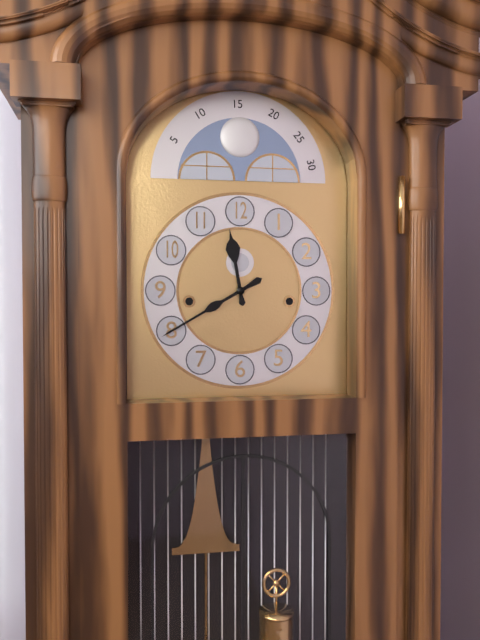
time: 11:40
